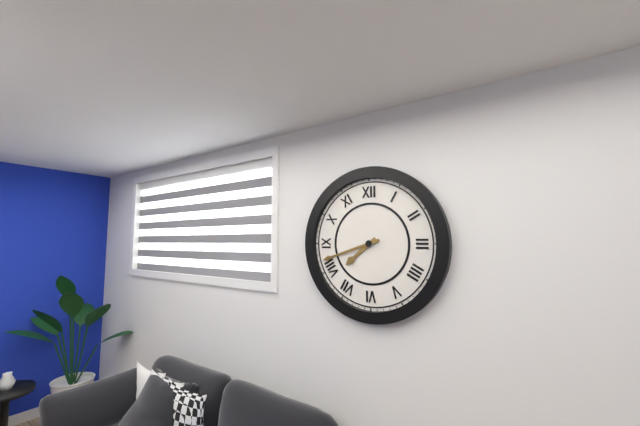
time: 7:42
